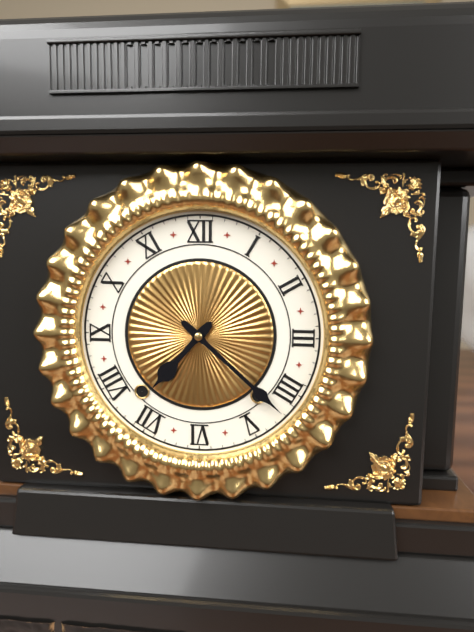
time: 7:22
